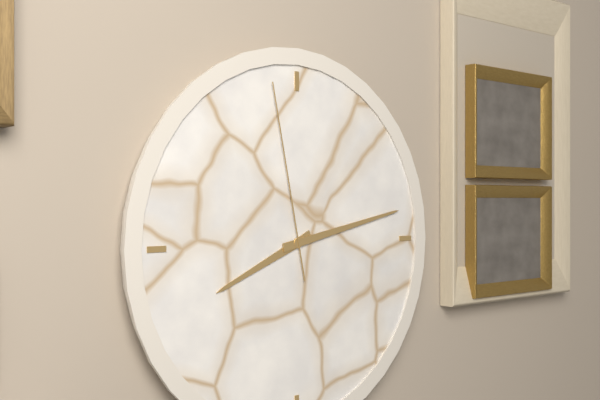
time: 8:13:58
